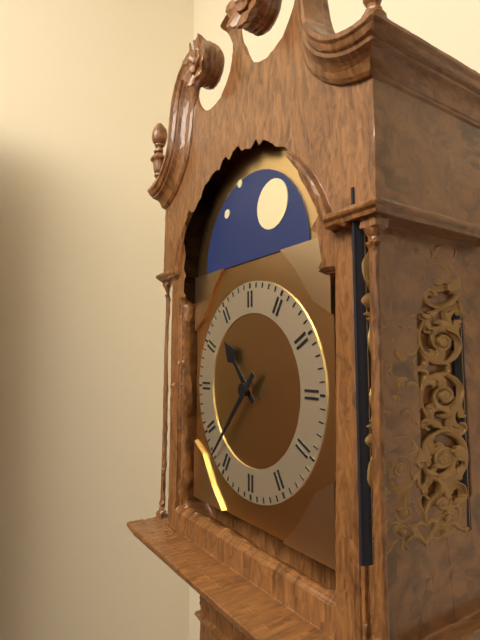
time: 10:37
